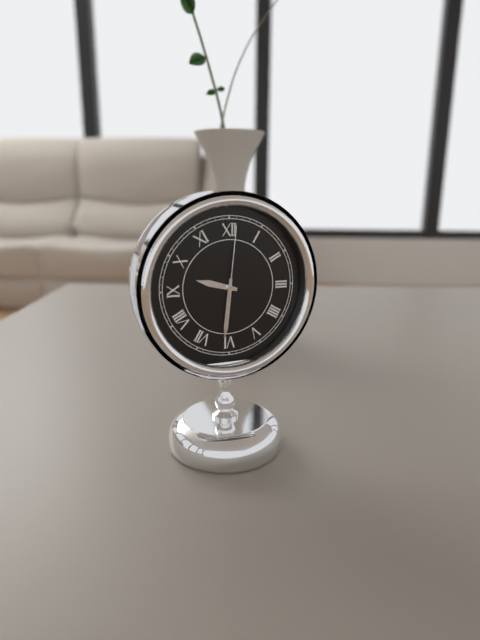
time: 9:31:01
